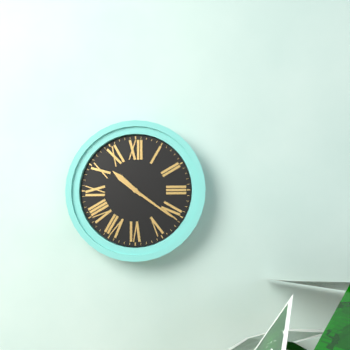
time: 10:21
